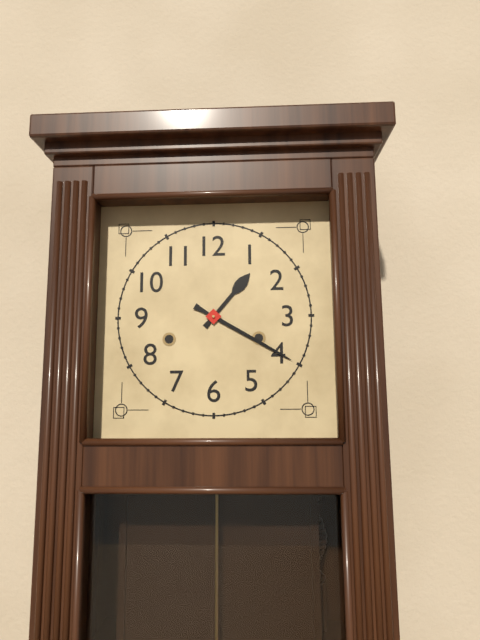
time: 1:20
